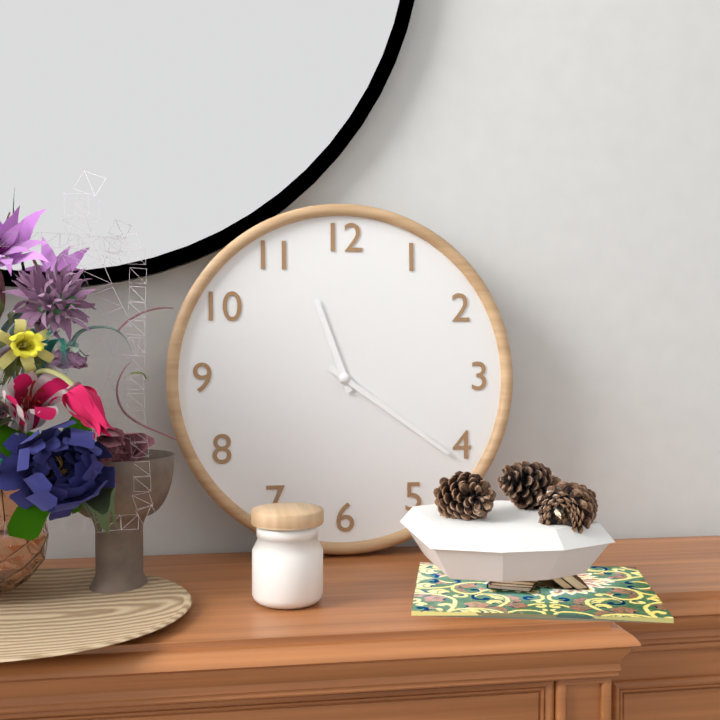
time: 11:21
